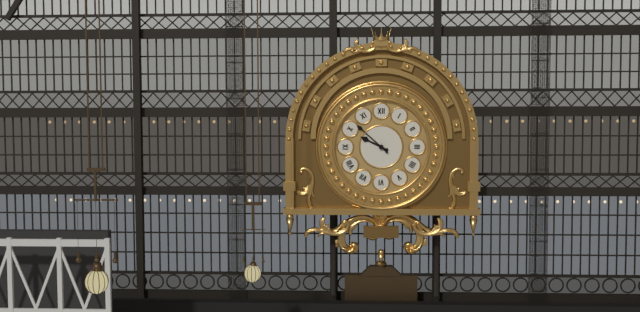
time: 9:52
